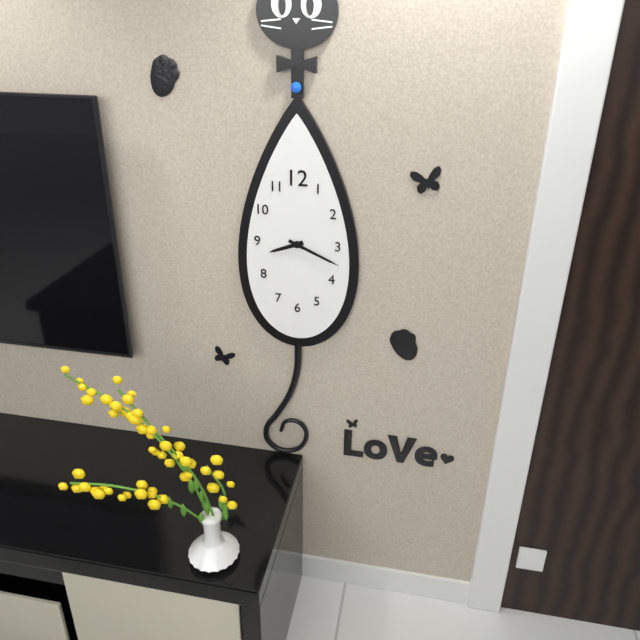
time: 8:19
